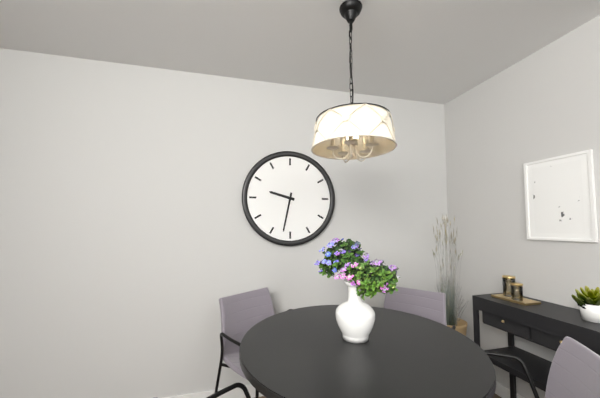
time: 9:32
